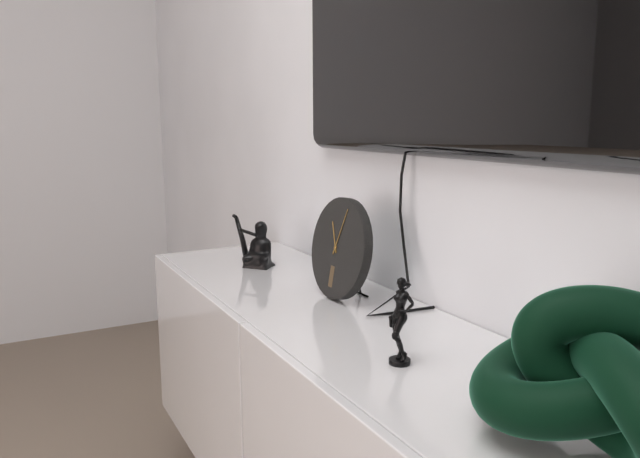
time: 11:03
